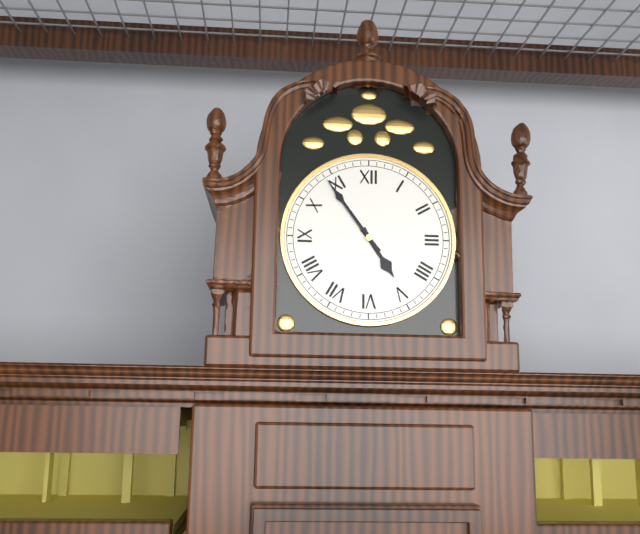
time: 4:54
